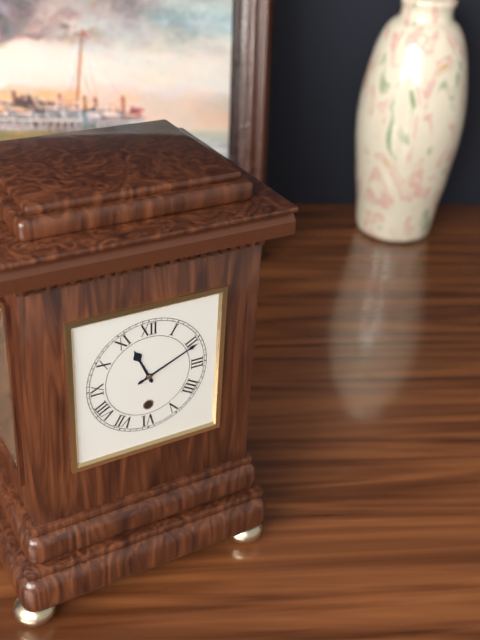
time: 11:11
